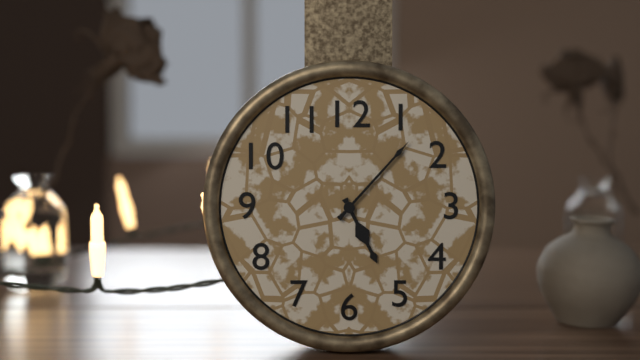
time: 5:07
